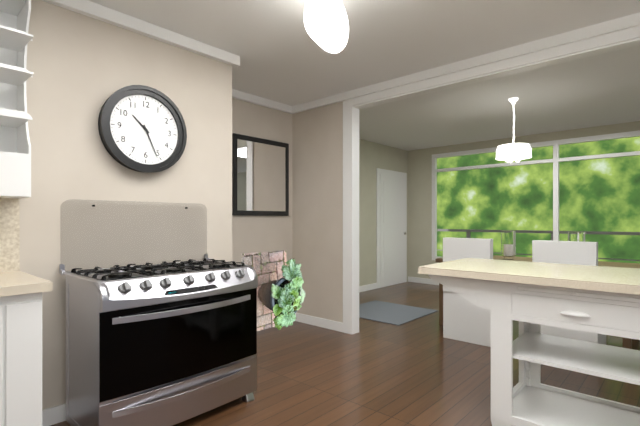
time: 10:26
